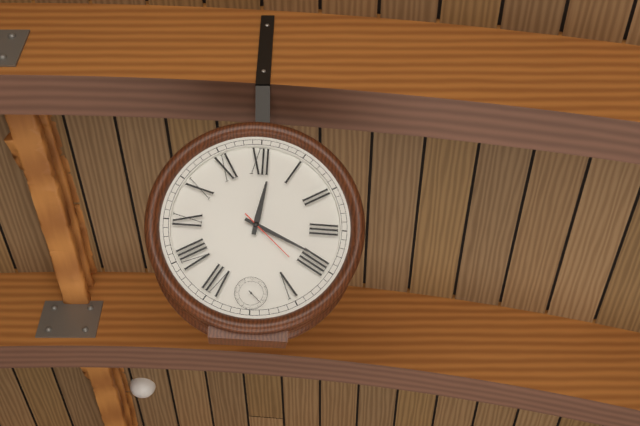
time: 12:19:22
